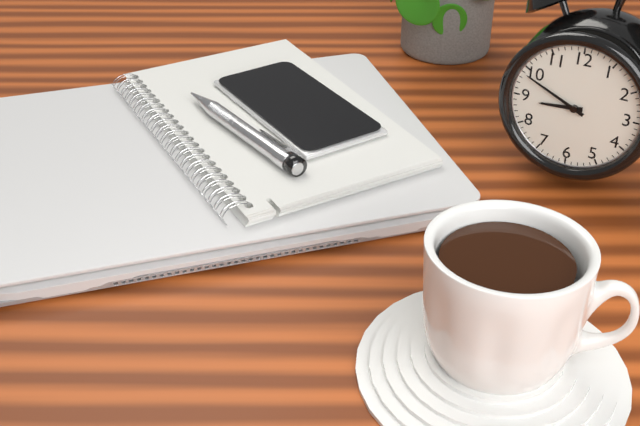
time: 8:49
